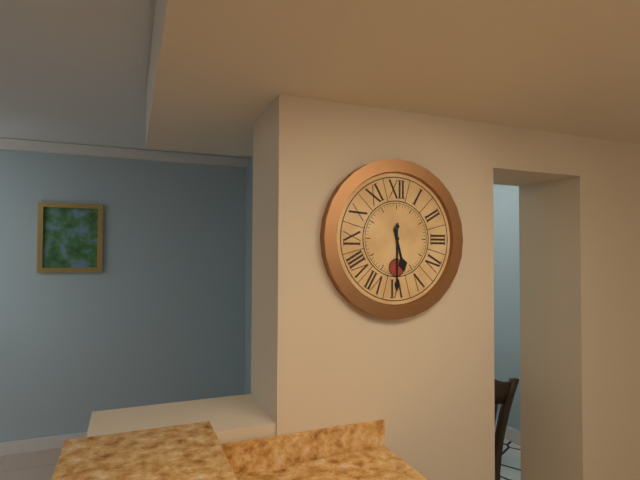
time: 5:30
